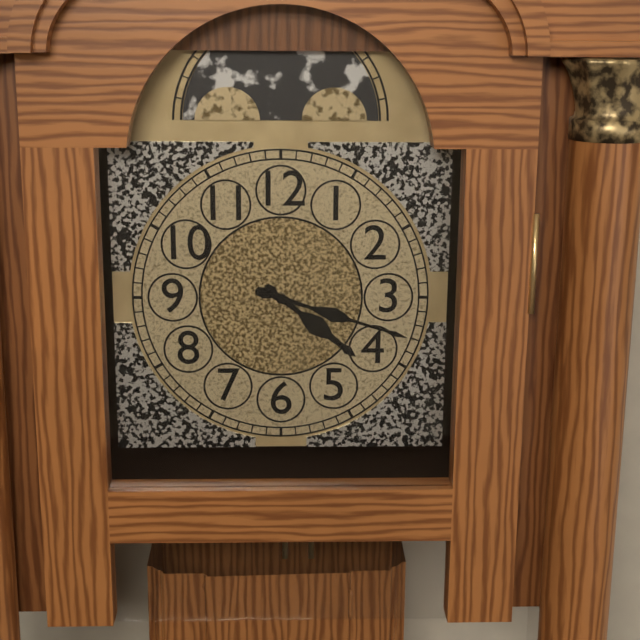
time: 4:18
